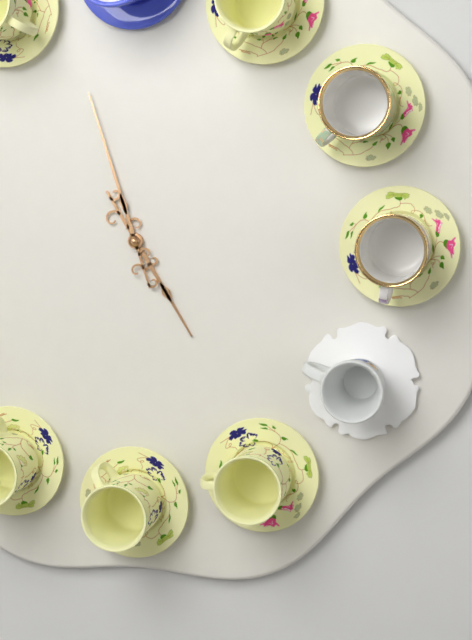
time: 4:57
